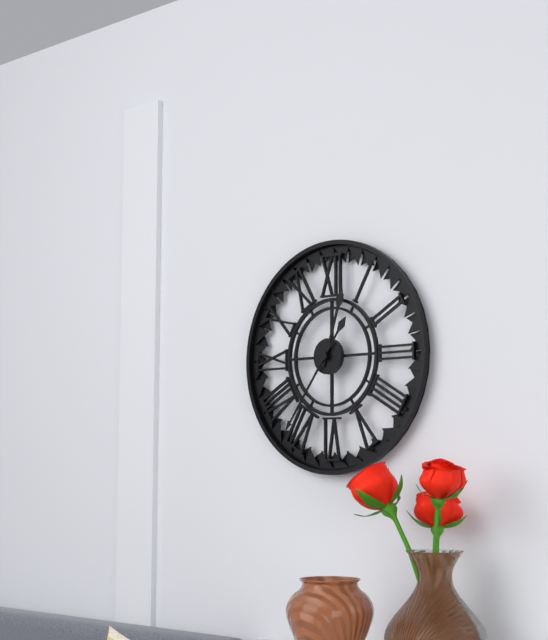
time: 12:36
